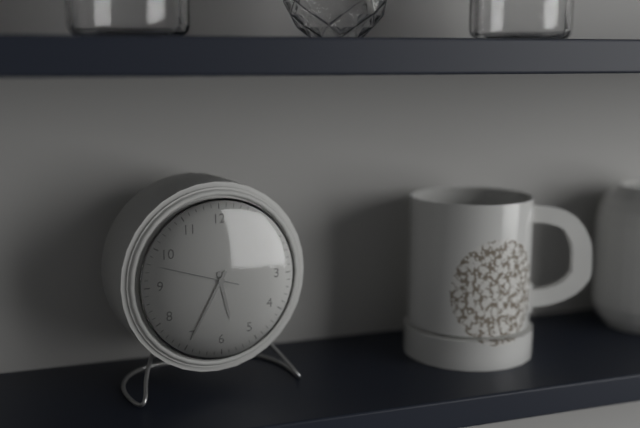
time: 5:35:48
